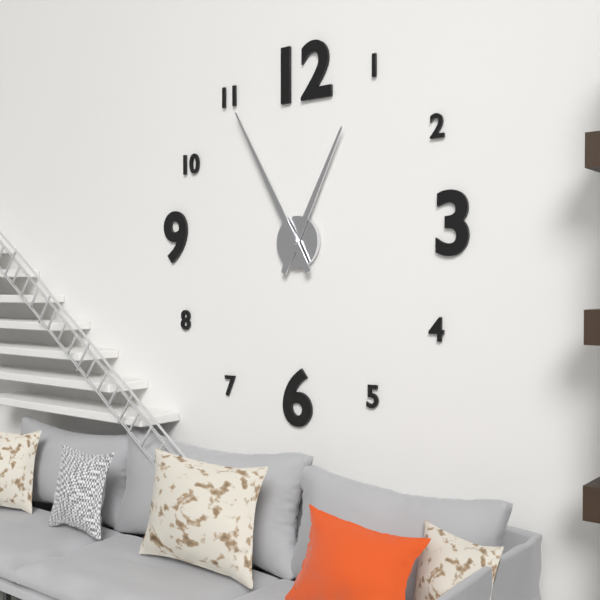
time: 12:55
